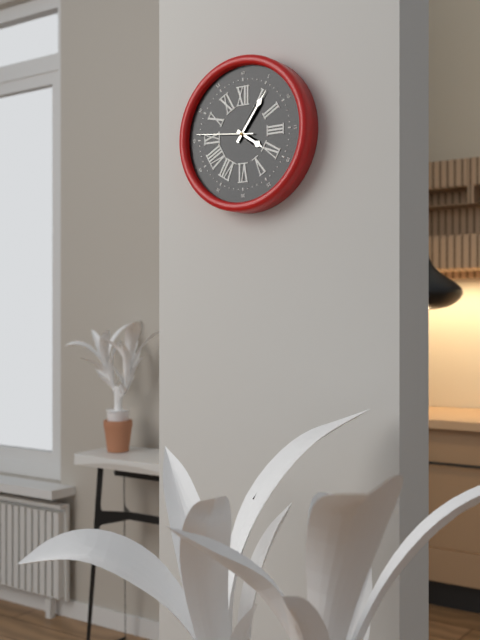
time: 4:06:46
